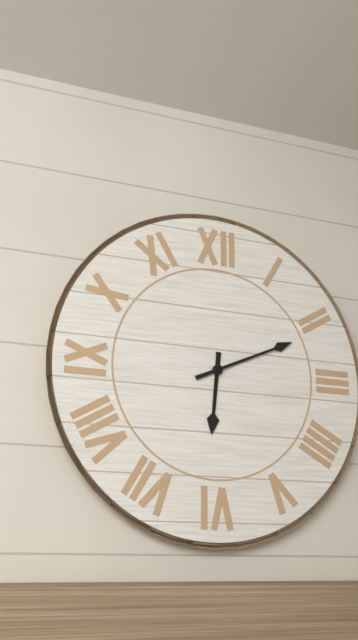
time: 6:11
